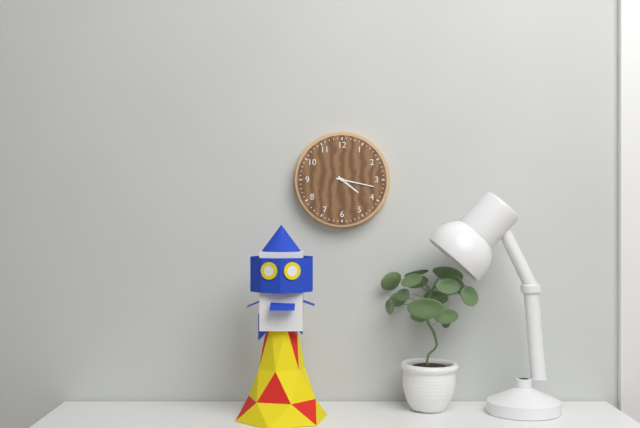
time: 4:17
